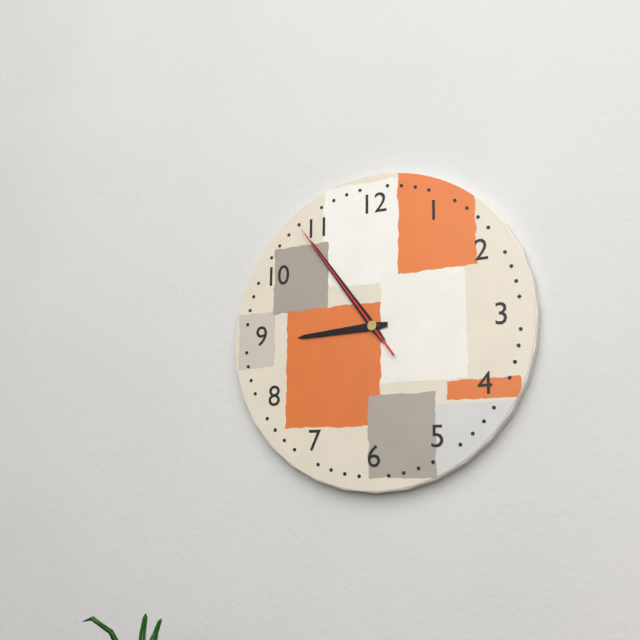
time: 8:54:54
